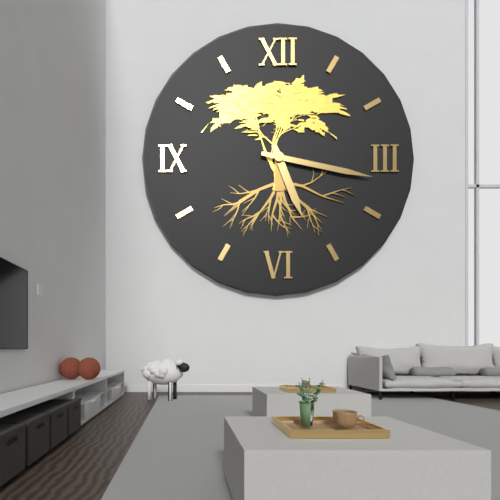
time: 5:17
